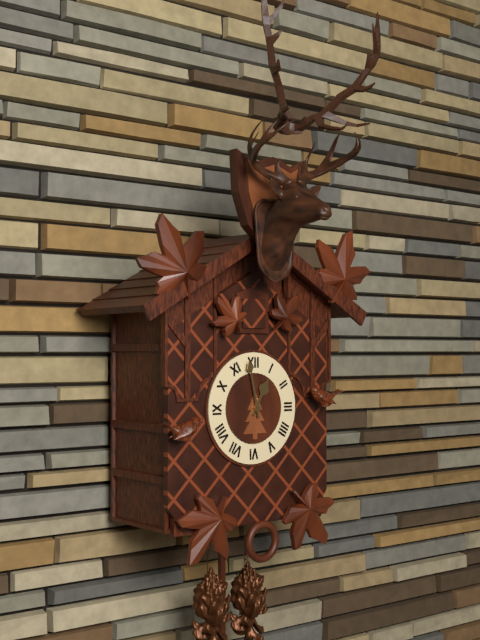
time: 12:58
